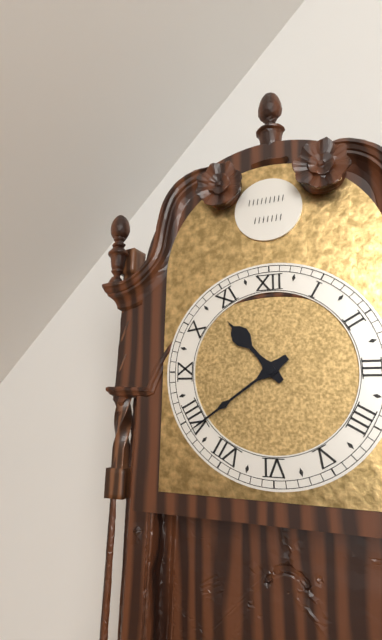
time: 10:39
